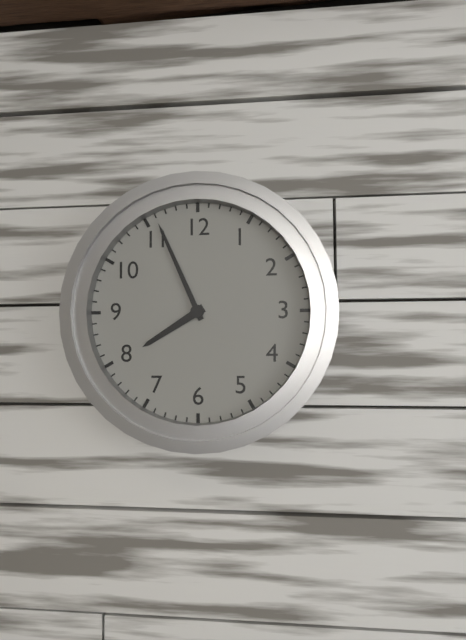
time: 7:56
